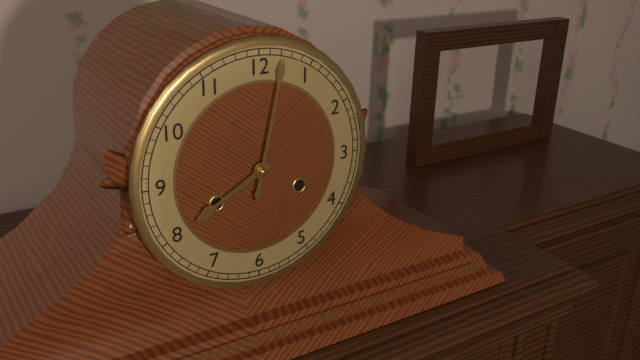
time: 8:02
